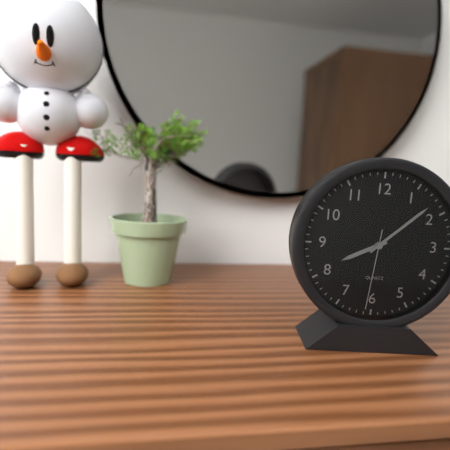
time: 8:08:31
